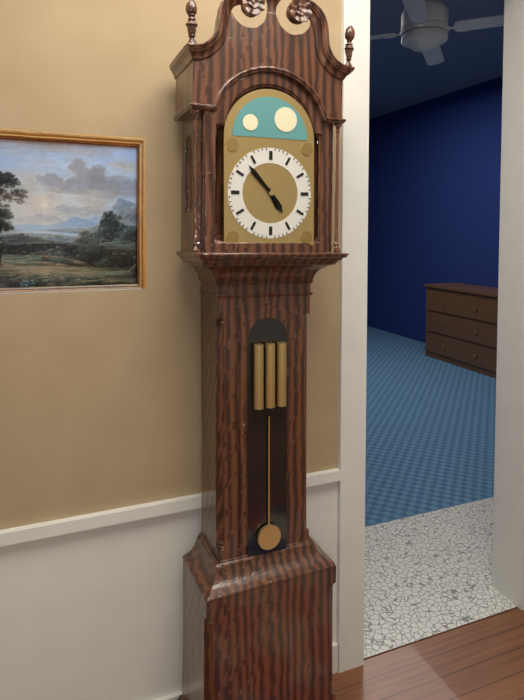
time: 4:53
